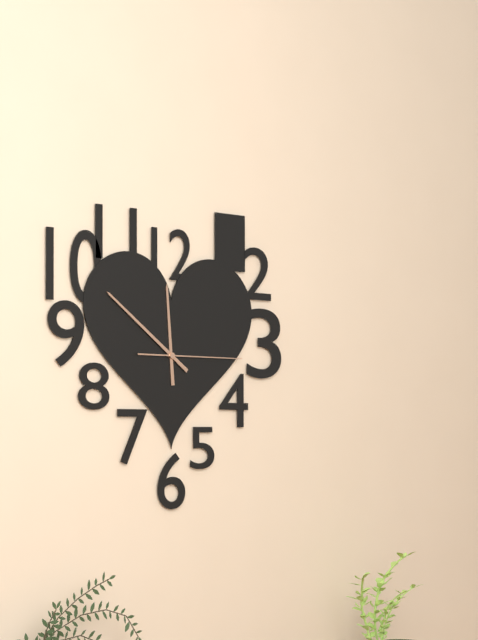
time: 11:51:15
